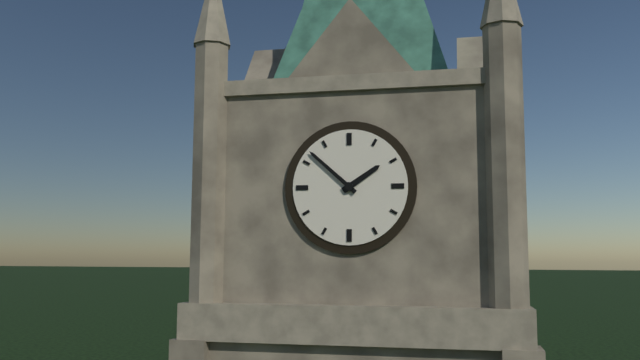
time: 1:52
